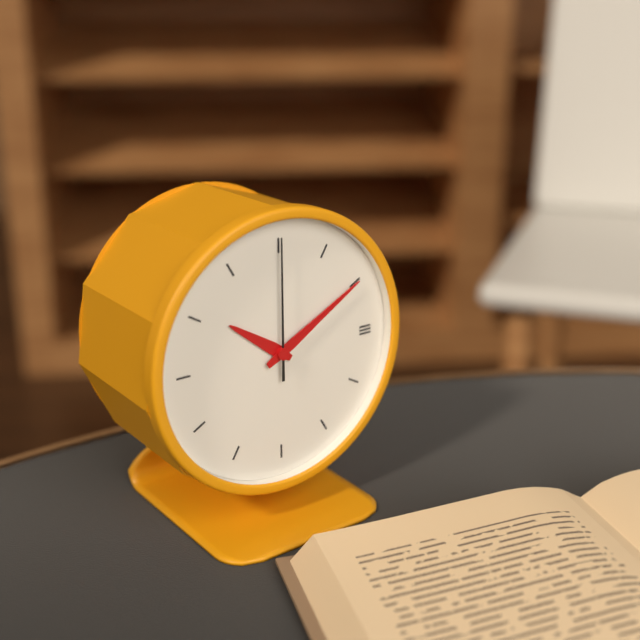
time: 10:10:00
